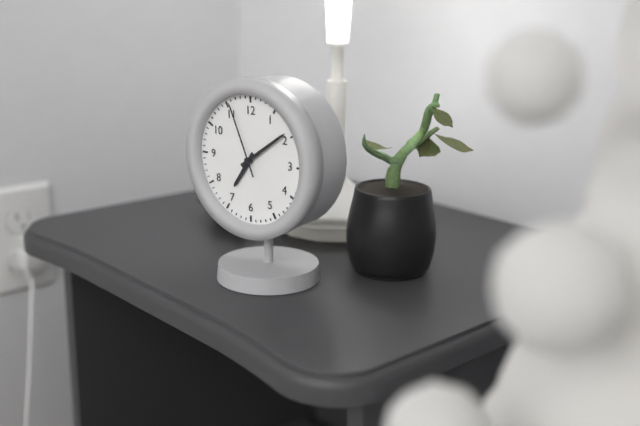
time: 7:09:56
